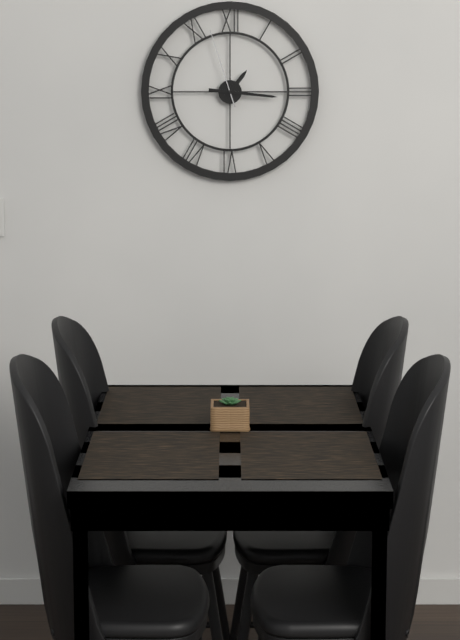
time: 1:16:57
